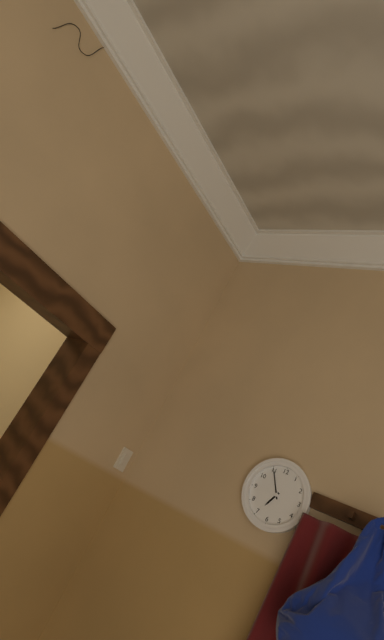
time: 6:55
